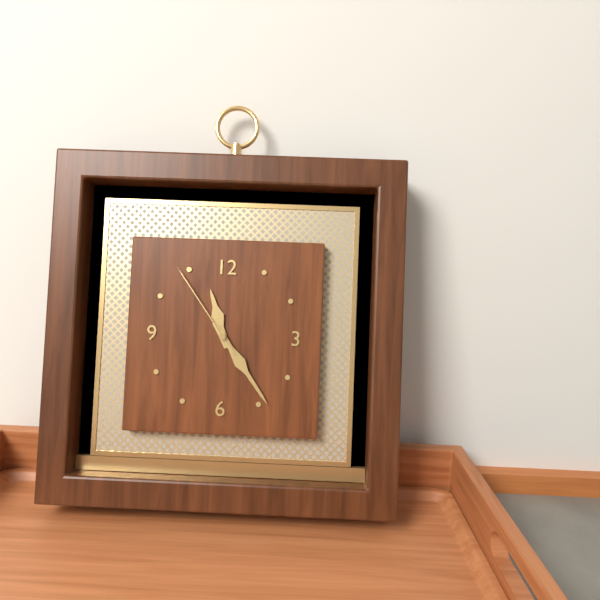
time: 11:24:54
